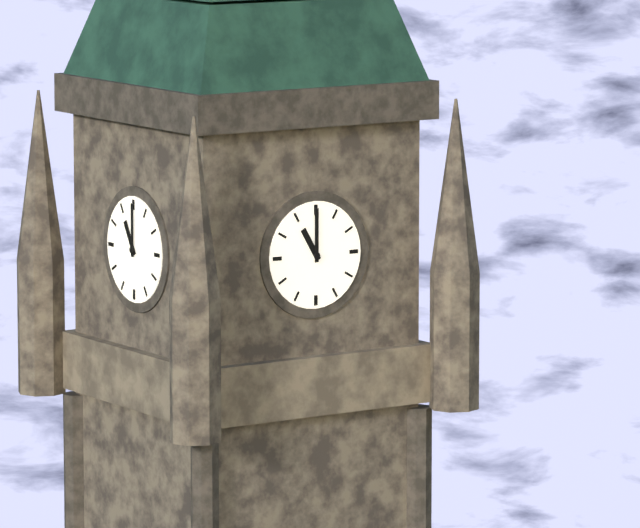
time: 11:00
